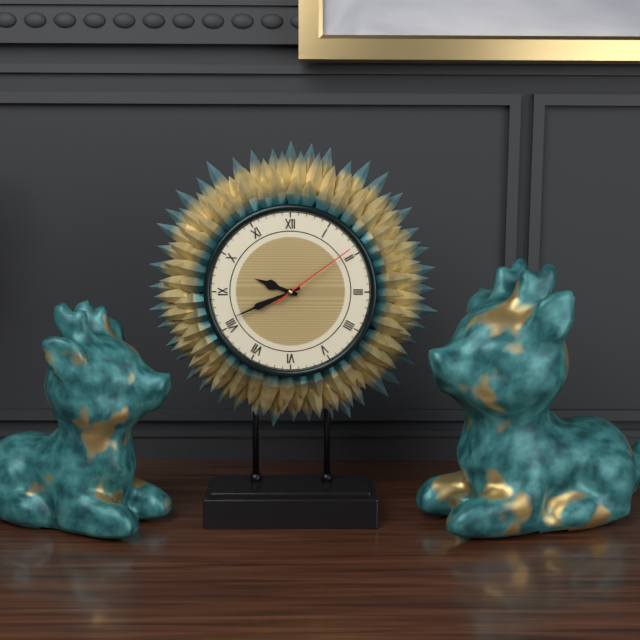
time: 9:41:09
